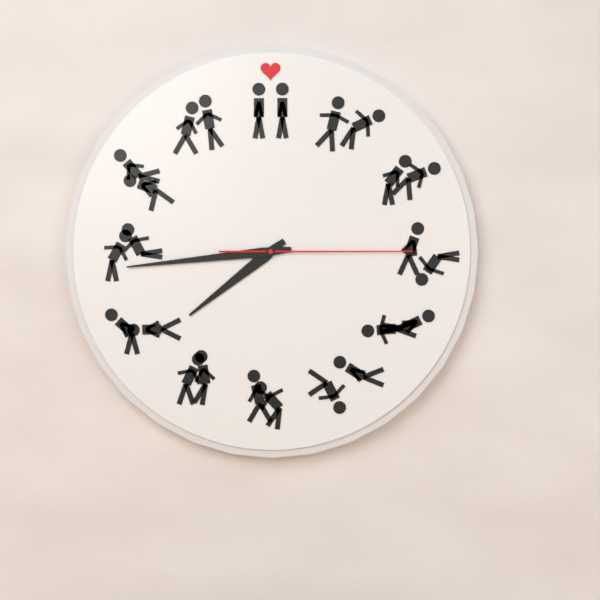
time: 7:44:15
